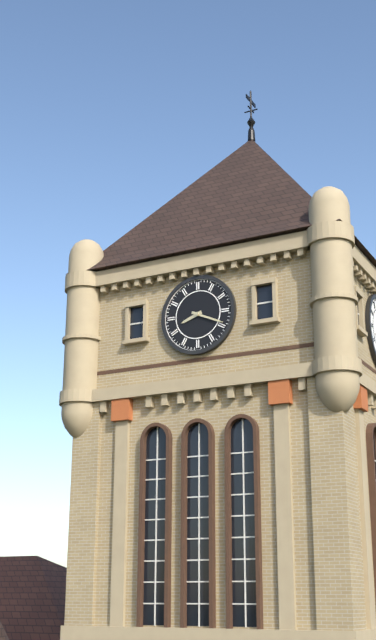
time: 8:19
